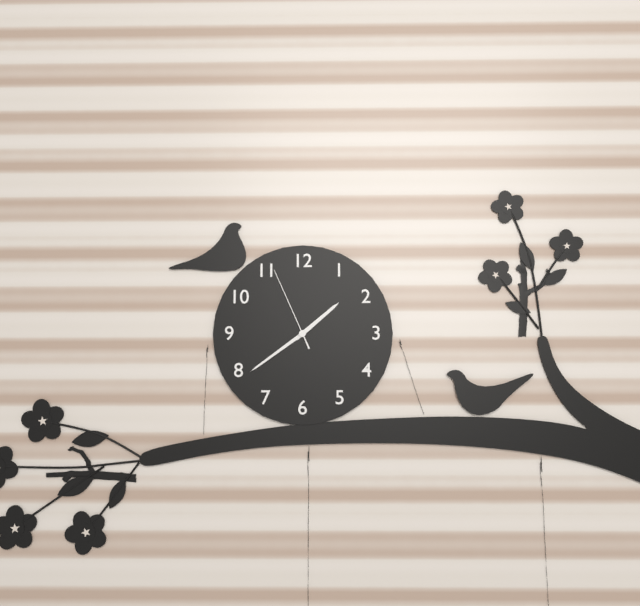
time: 1:39:56
